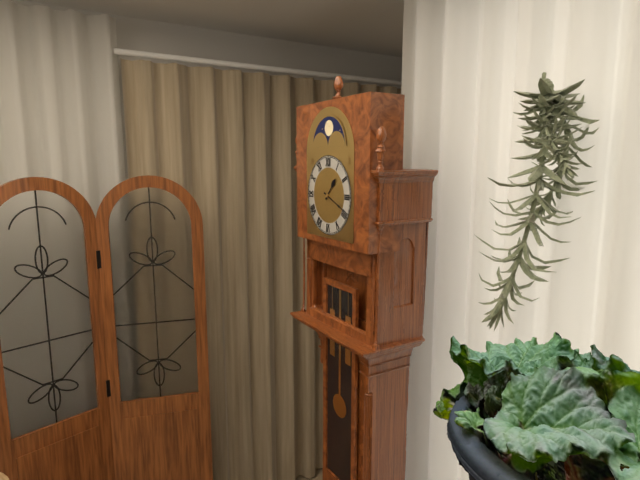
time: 1:19
